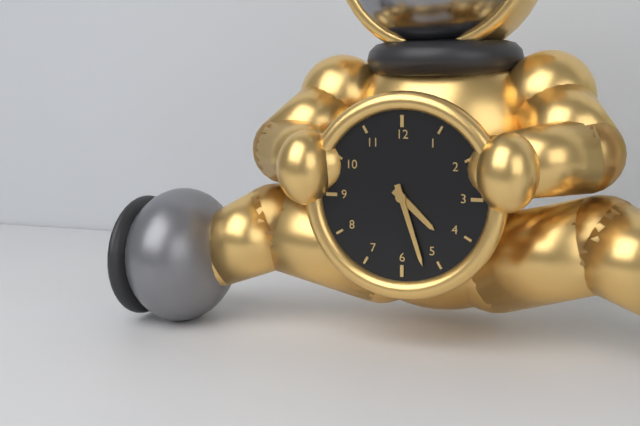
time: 4:27
